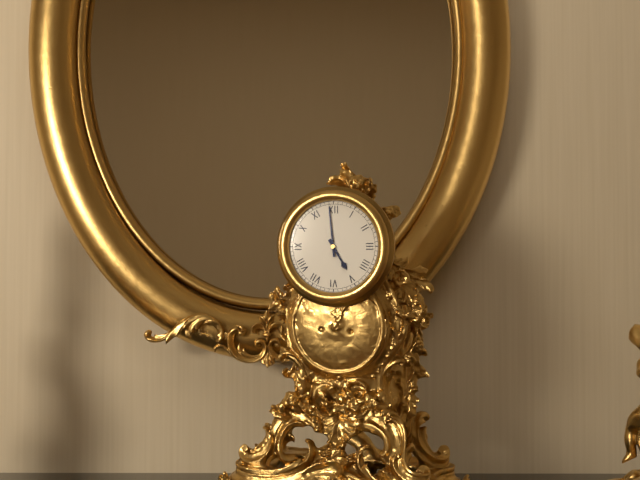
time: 4:59
